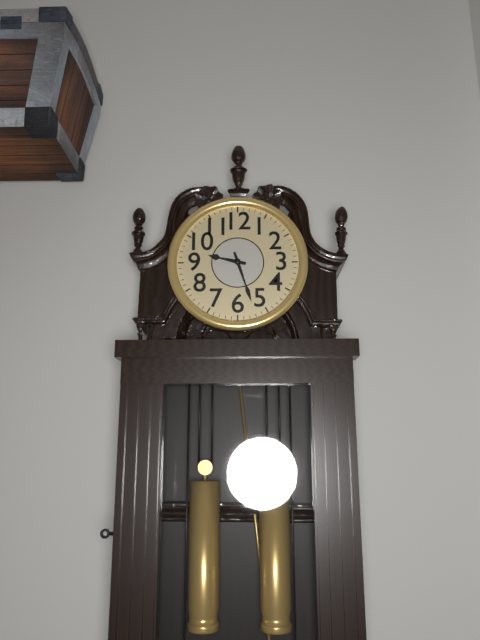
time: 9:27
